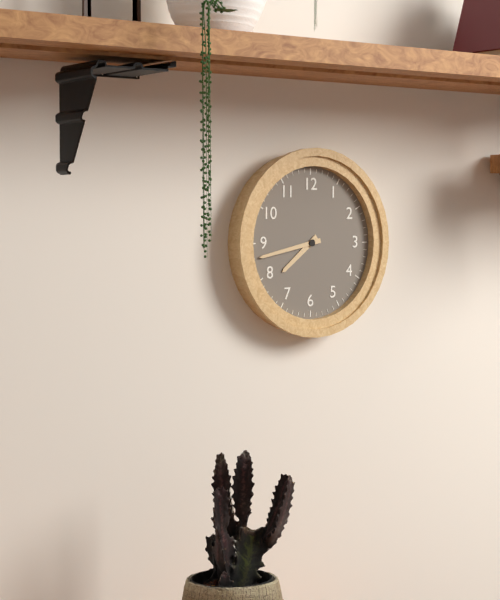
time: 7:43
